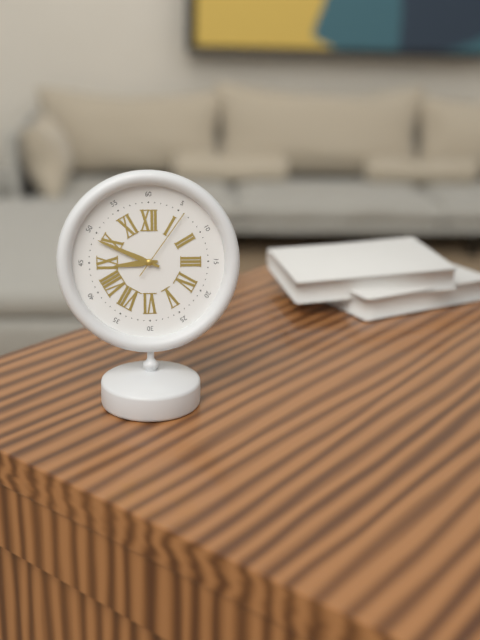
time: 8:49:06
